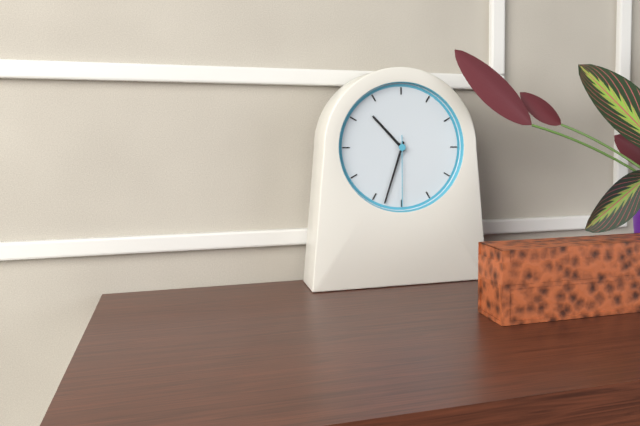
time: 10:33:30
